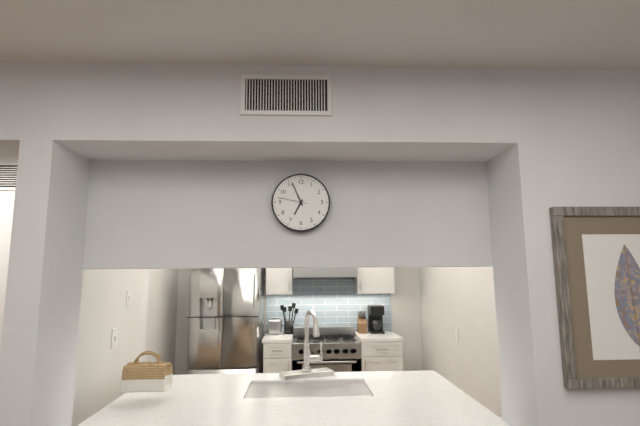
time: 6:56
